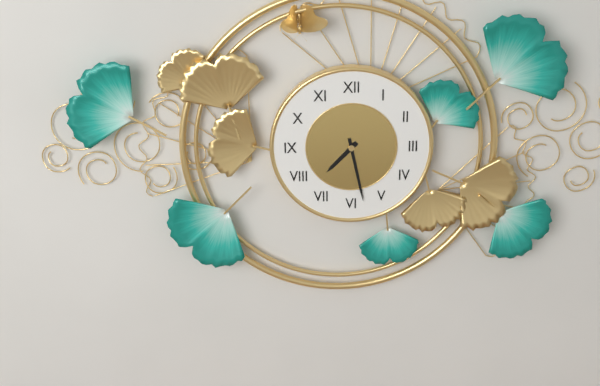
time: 7:28
